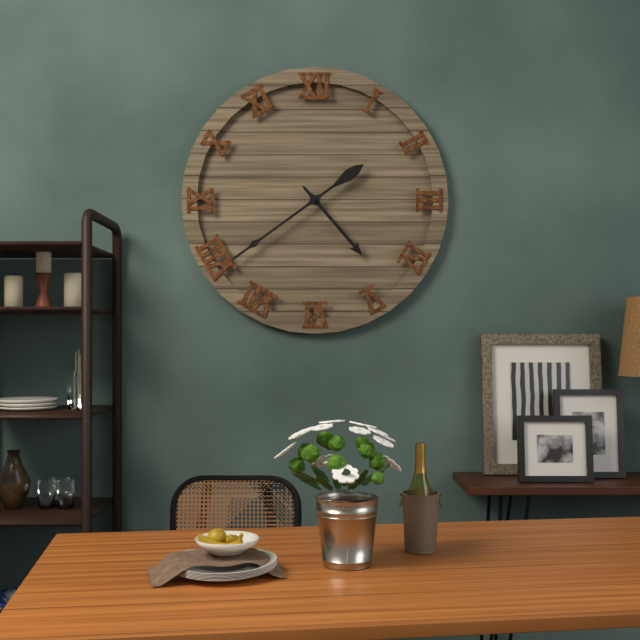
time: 4:39
